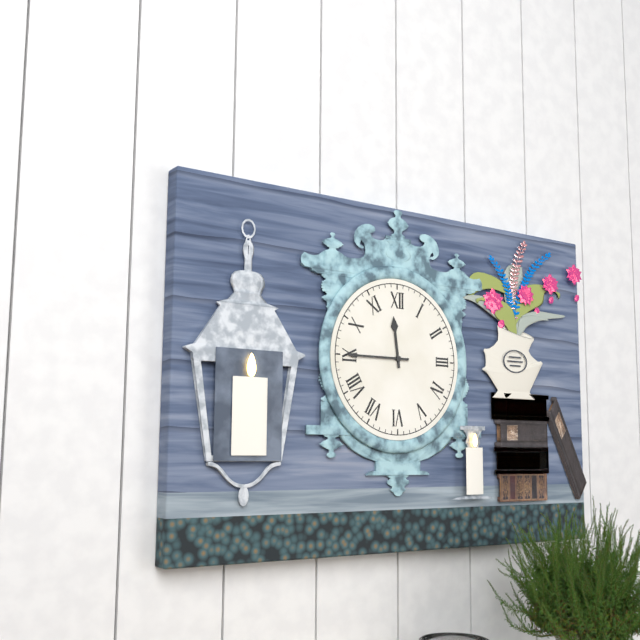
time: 11:45
